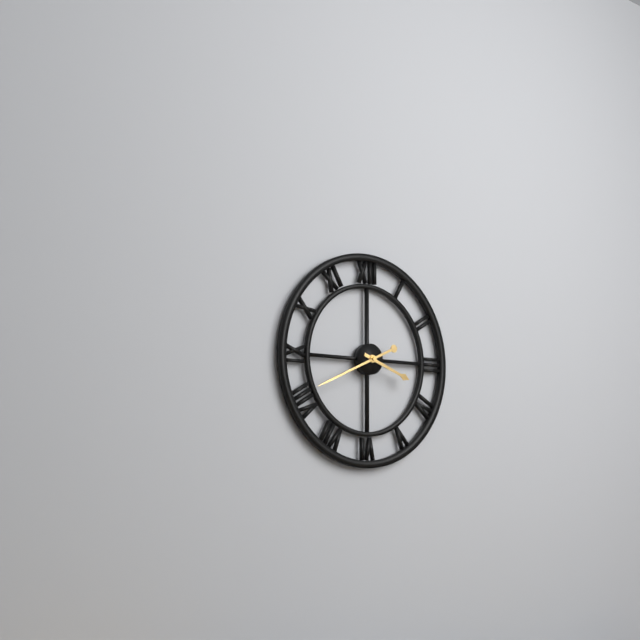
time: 3:41
